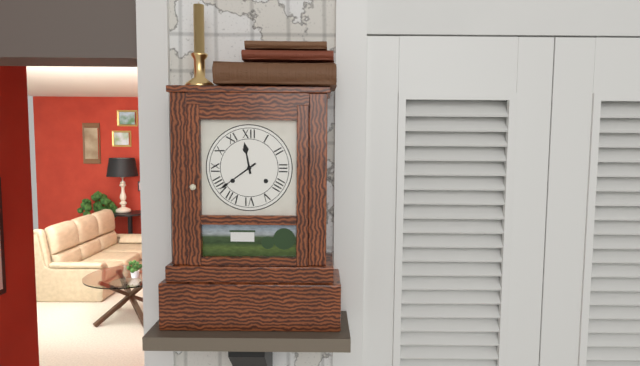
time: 11:39
